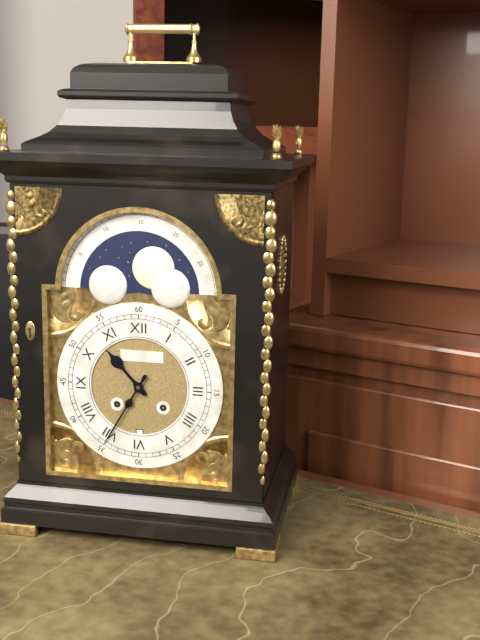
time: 10:35
